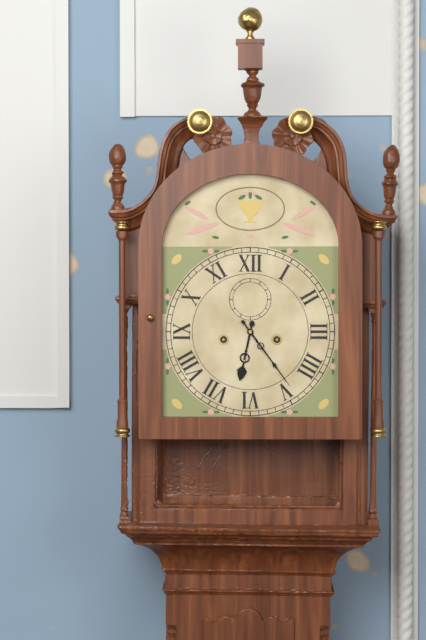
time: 6:24
